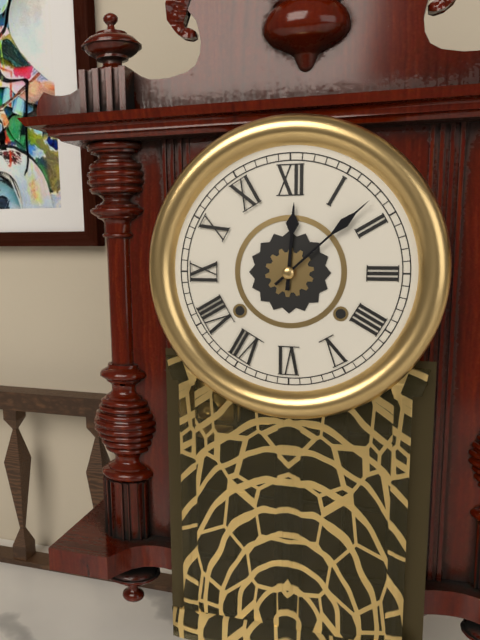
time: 12:08
